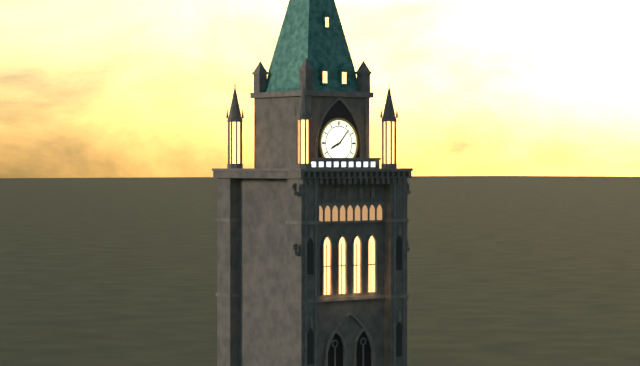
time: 8:07
